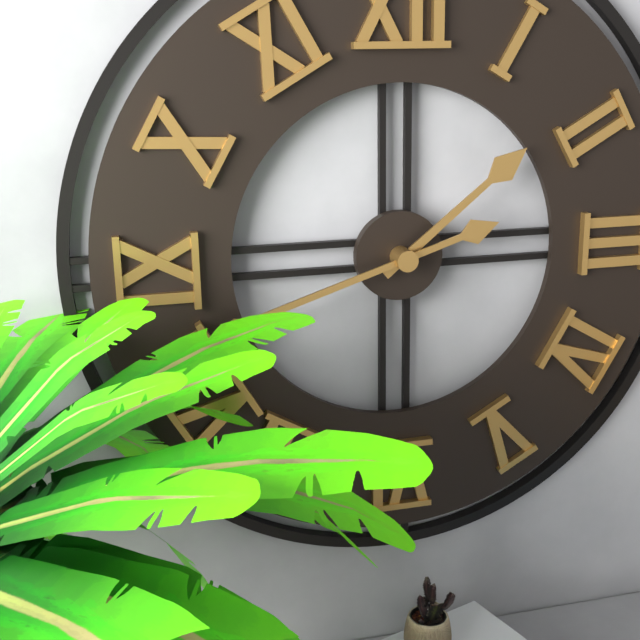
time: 1:42
